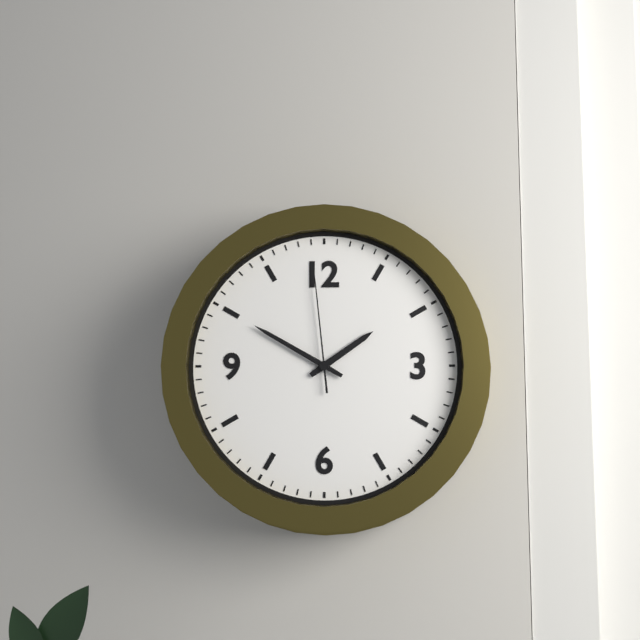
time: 1:50:59
